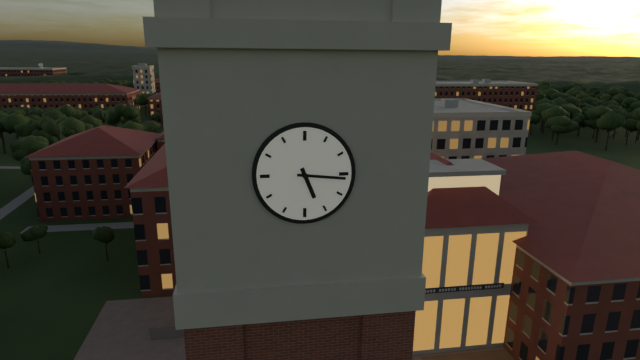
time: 5:16
